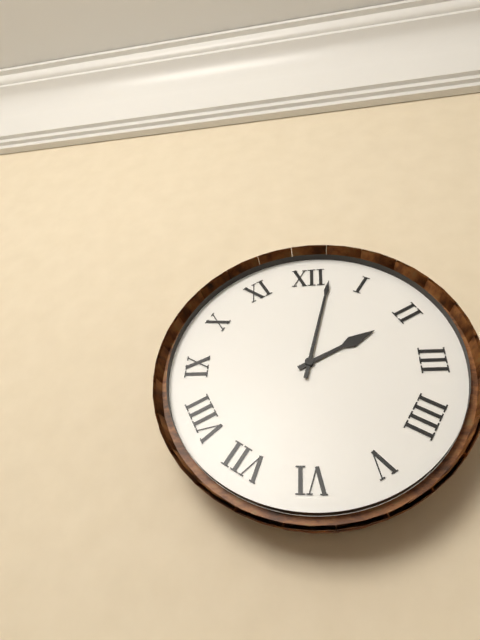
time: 2:02
